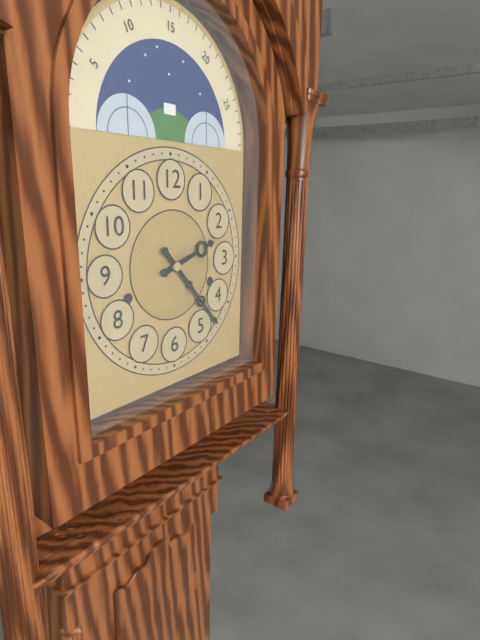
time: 2:23
